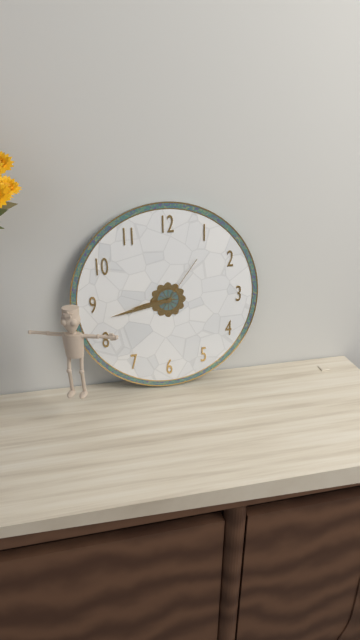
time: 8:43:06
